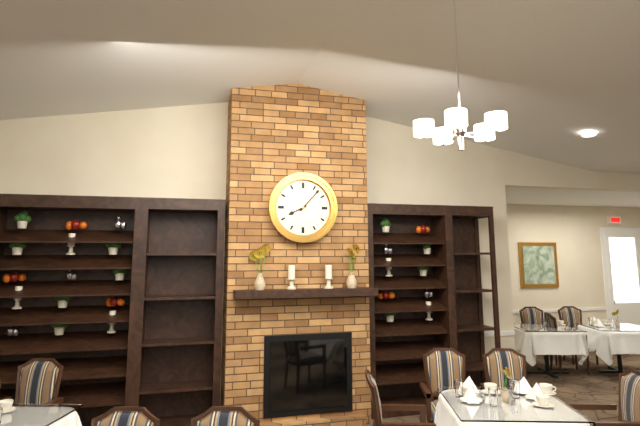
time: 8:07
